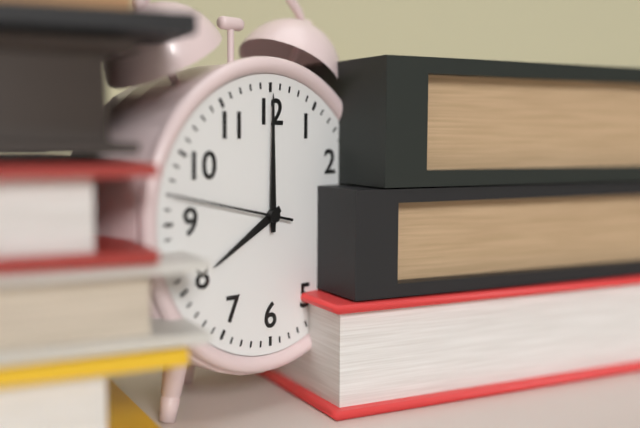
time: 8:00:47
